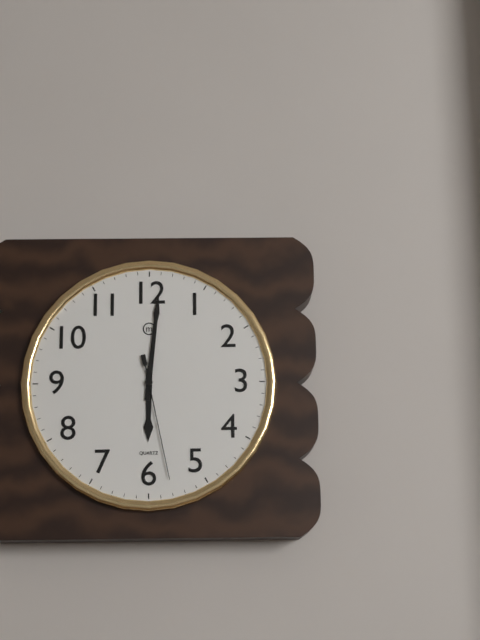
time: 6:01:28
